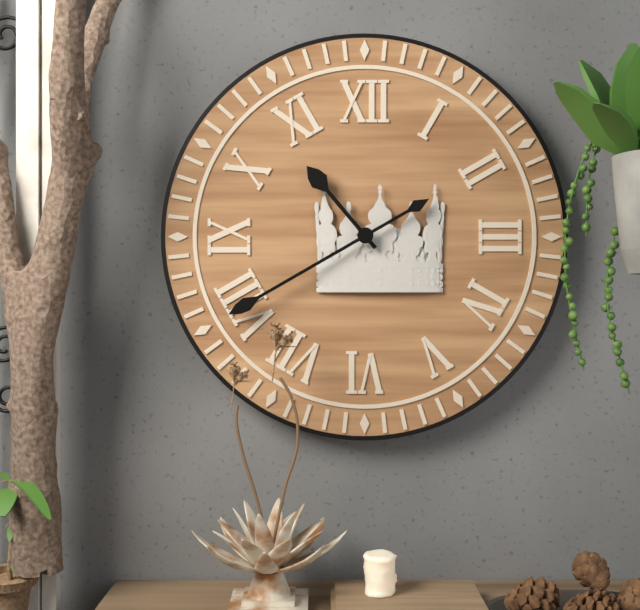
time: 10:40
